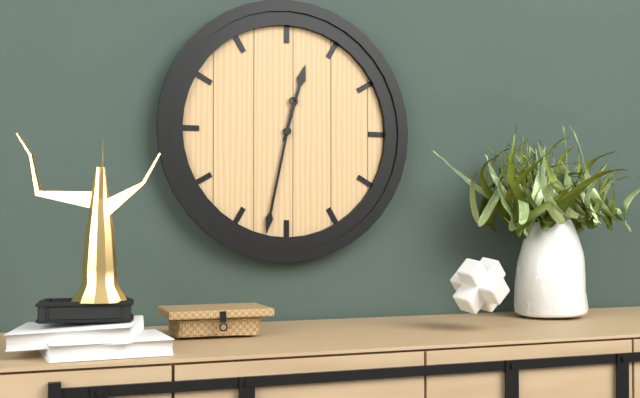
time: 12:32
